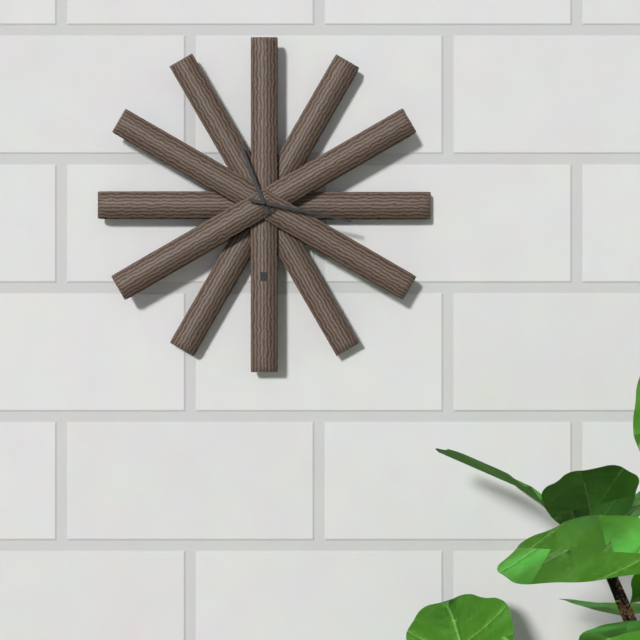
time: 11:17
